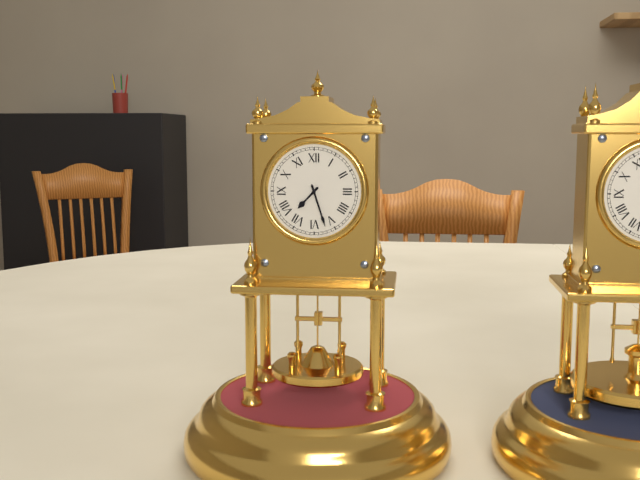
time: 7:27
